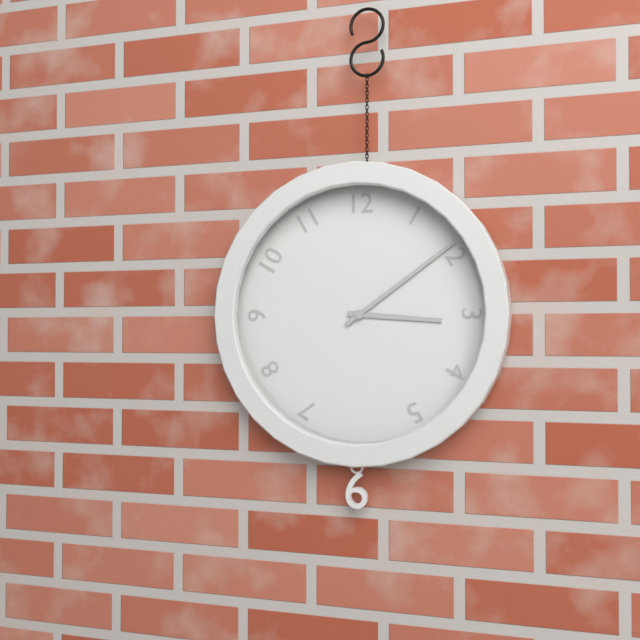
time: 3:09
